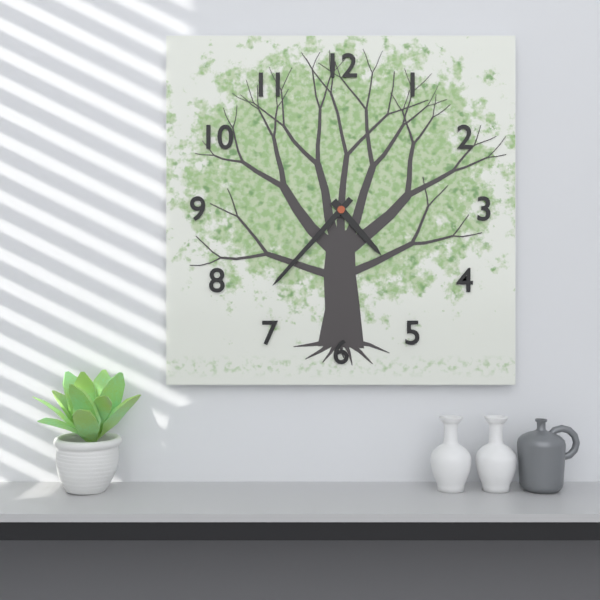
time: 4:37
